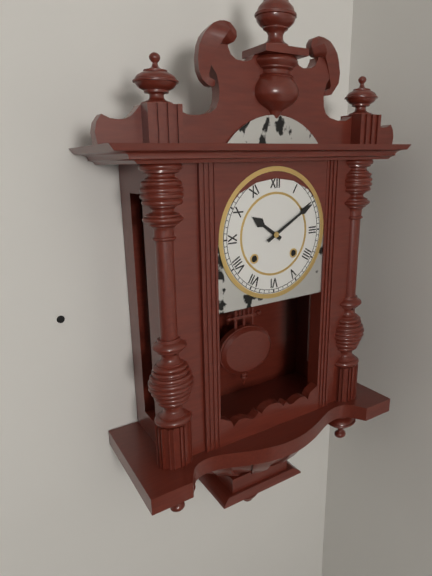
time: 10:10
